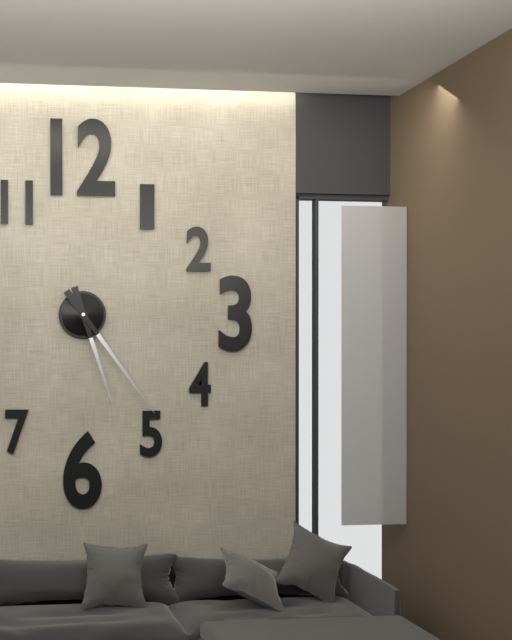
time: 5:24
